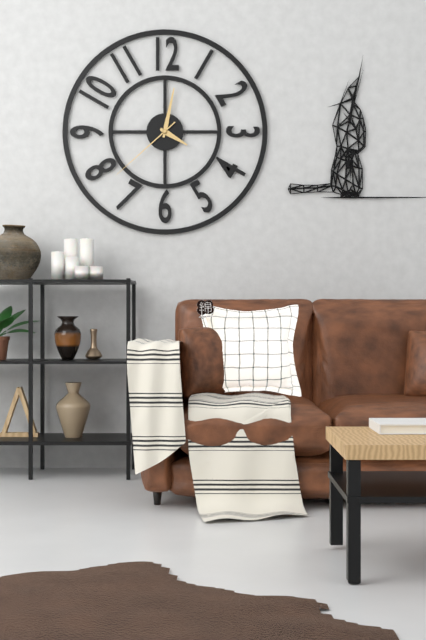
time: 4:02:38
